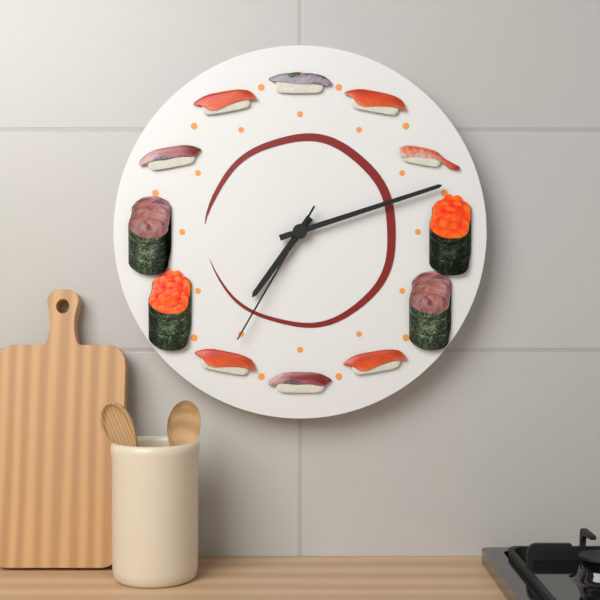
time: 7:12:35
